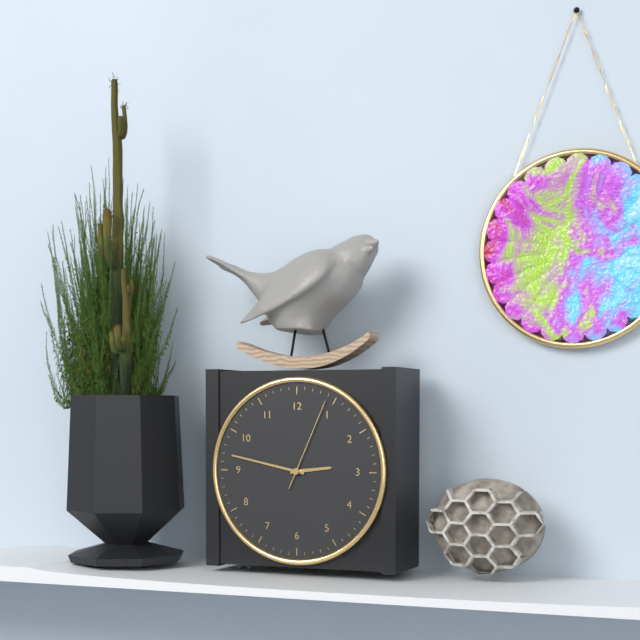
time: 2:47:04
